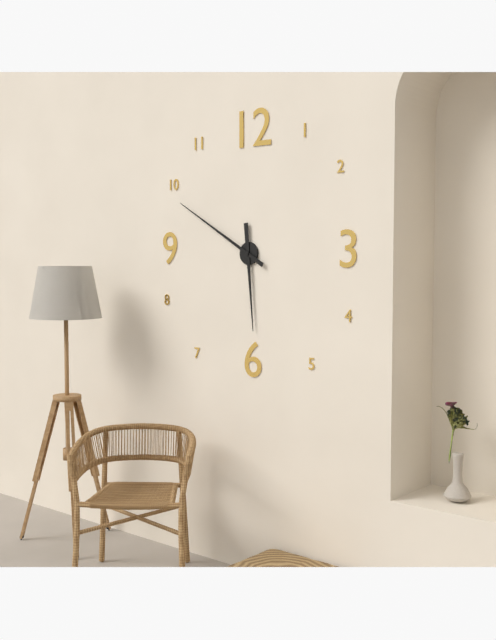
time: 5:50
